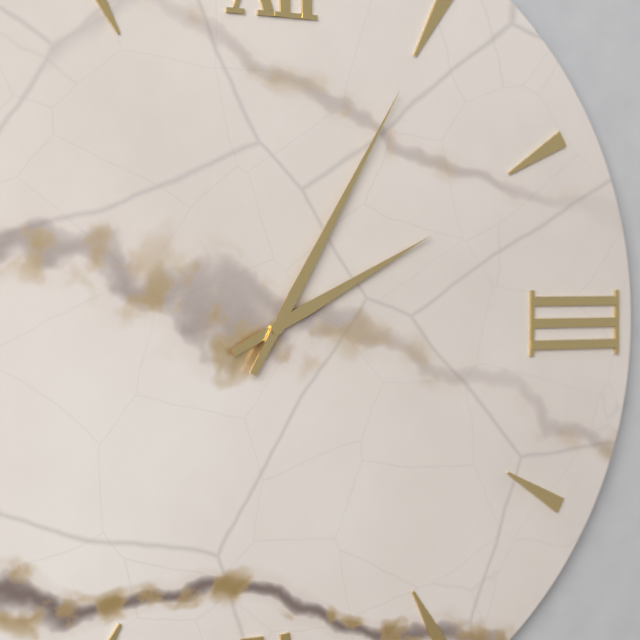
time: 2:05
